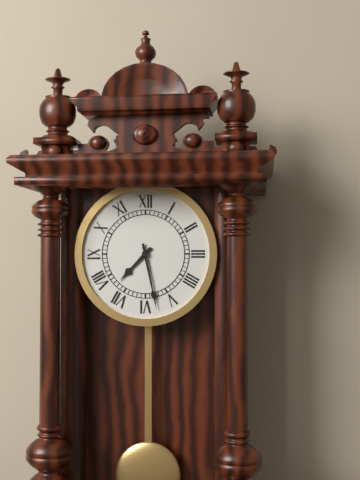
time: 7:28
